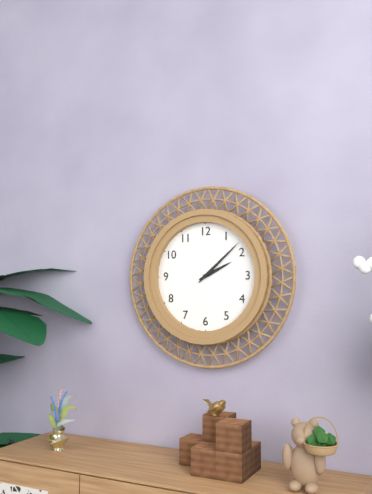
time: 2:08
